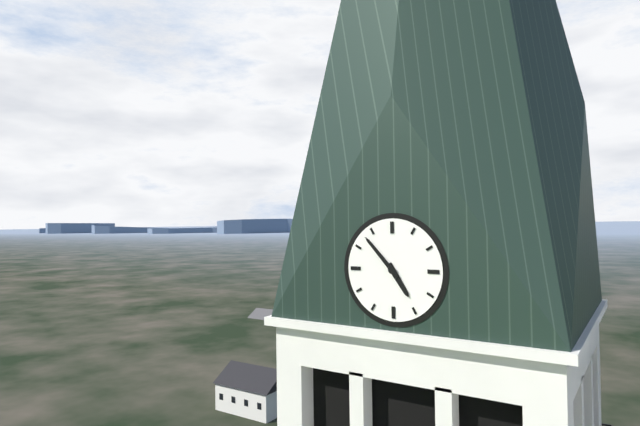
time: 4:53
